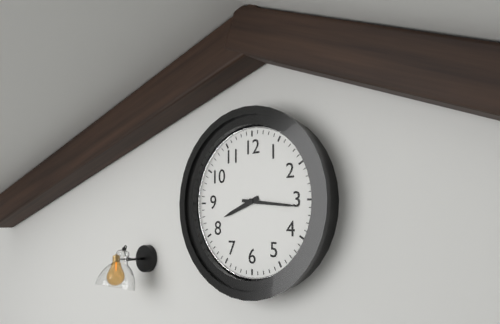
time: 8:16
